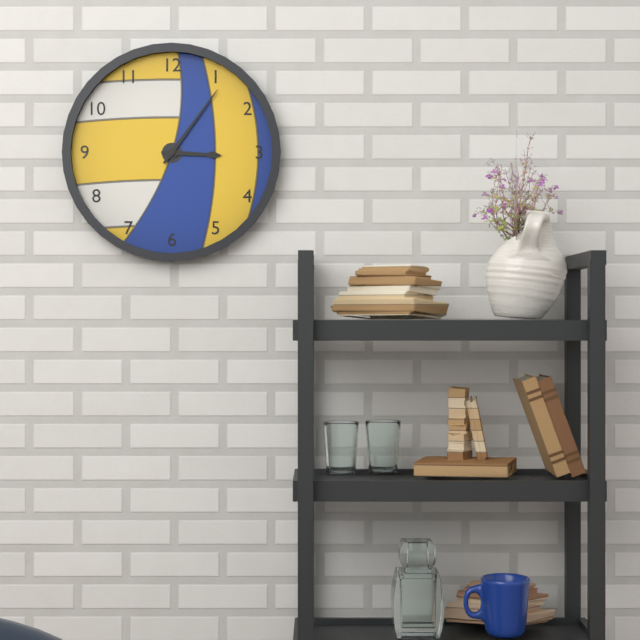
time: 3:06
